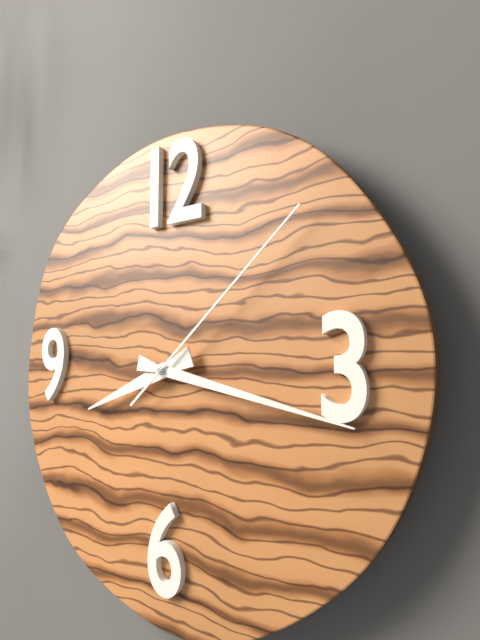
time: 8:17:08
